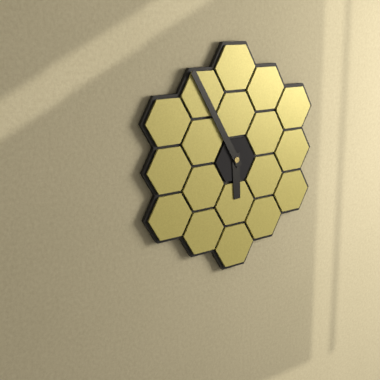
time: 5:55
